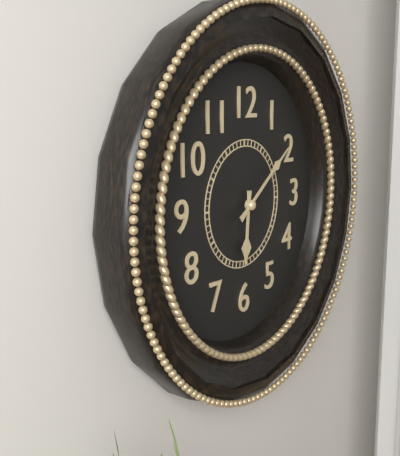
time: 6:09
